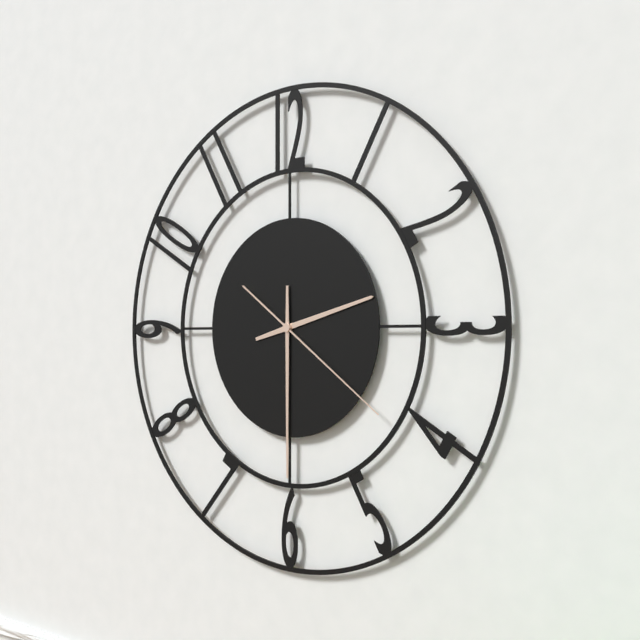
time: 2:30:21
